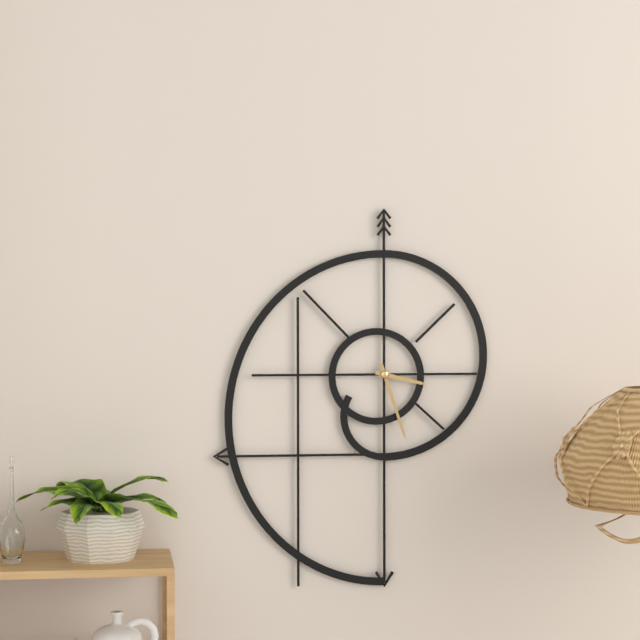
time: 3:27
